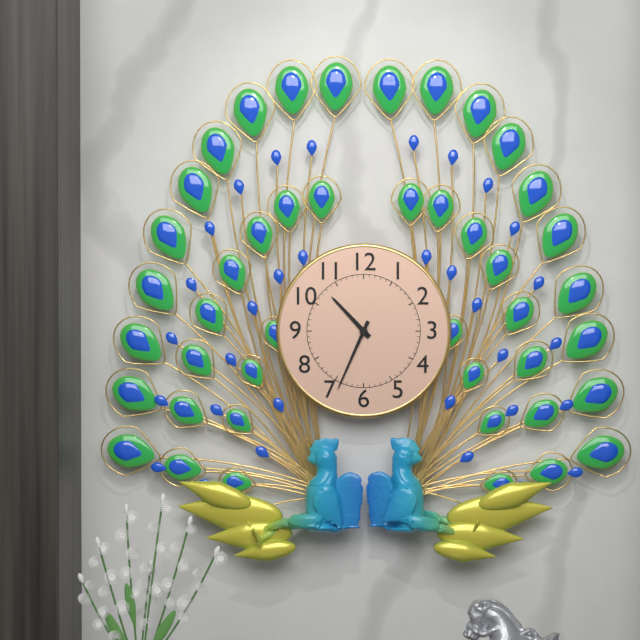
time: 10:34
